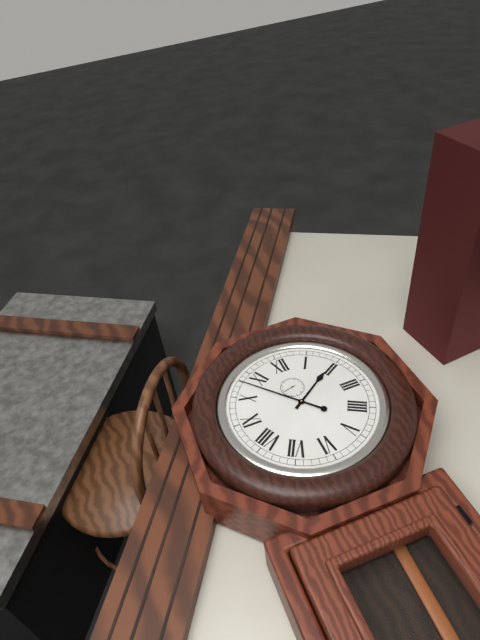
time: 1:53
